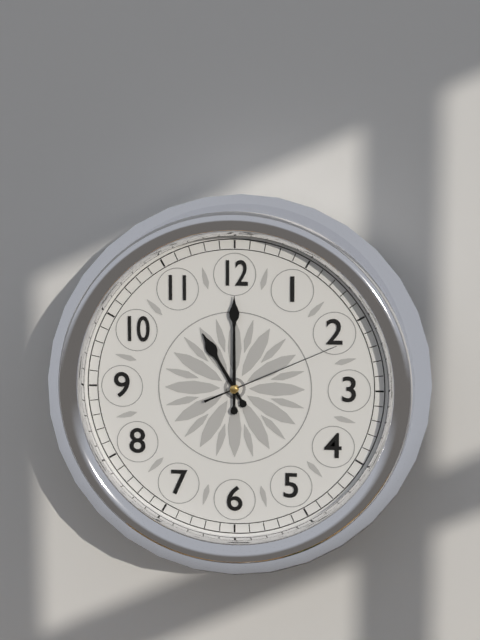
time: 11:00:11
